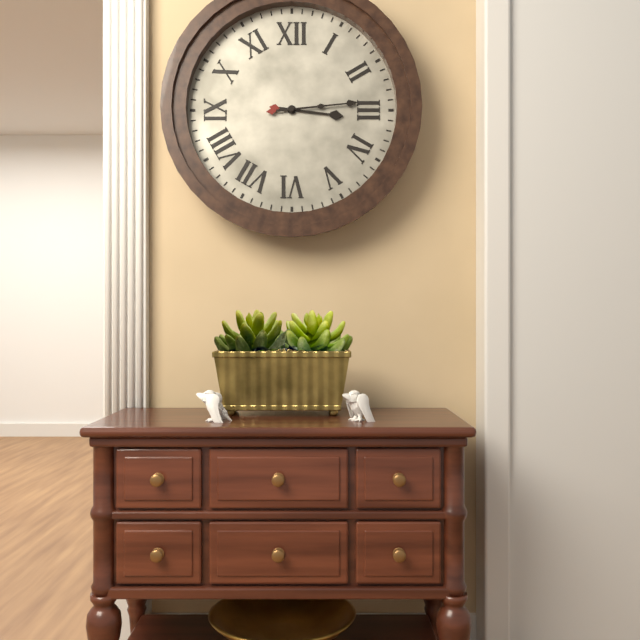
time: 3:14
